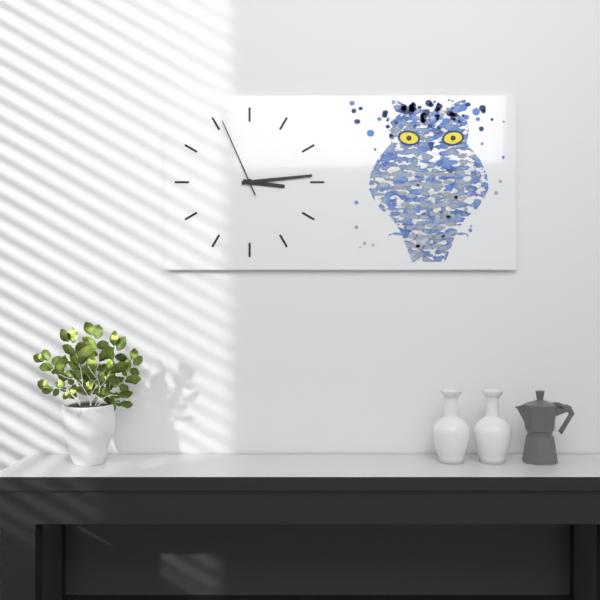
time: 3:14:56
